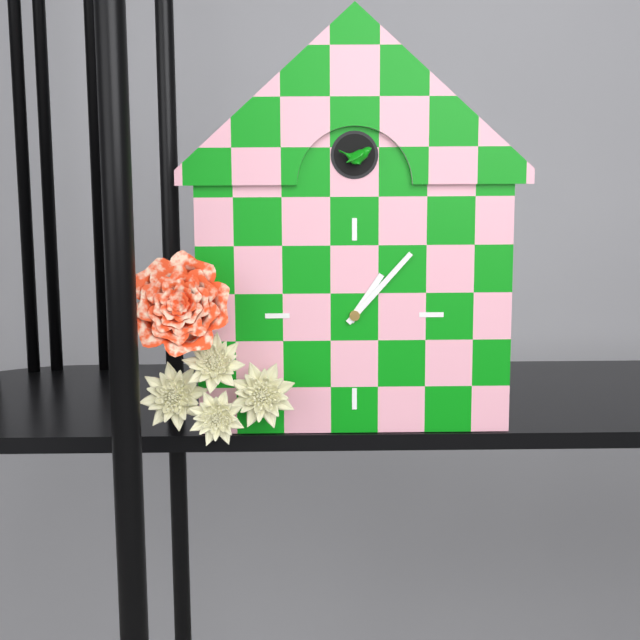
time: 1:07
